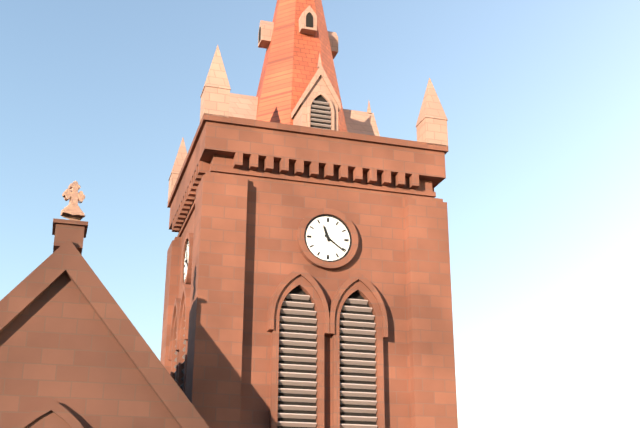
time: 11:21
